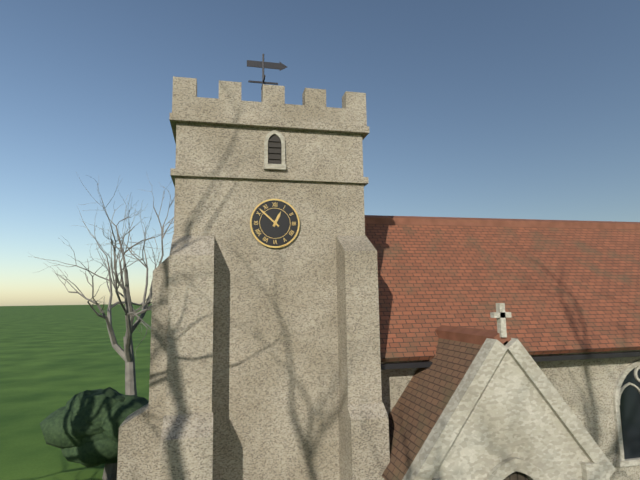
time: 12:52
